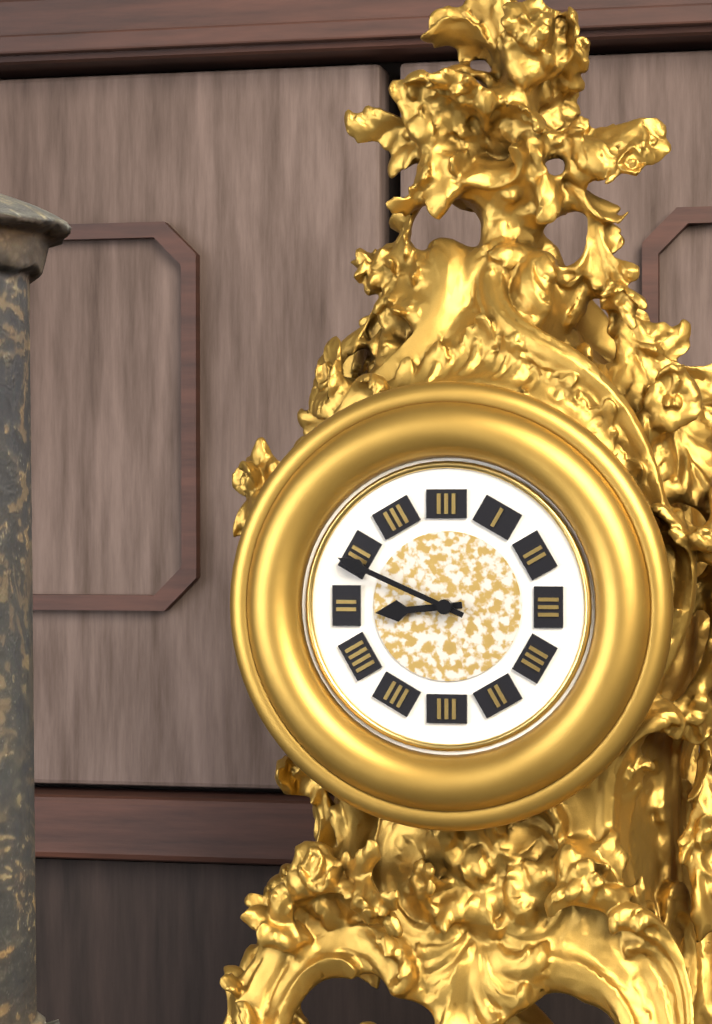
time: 8:49
